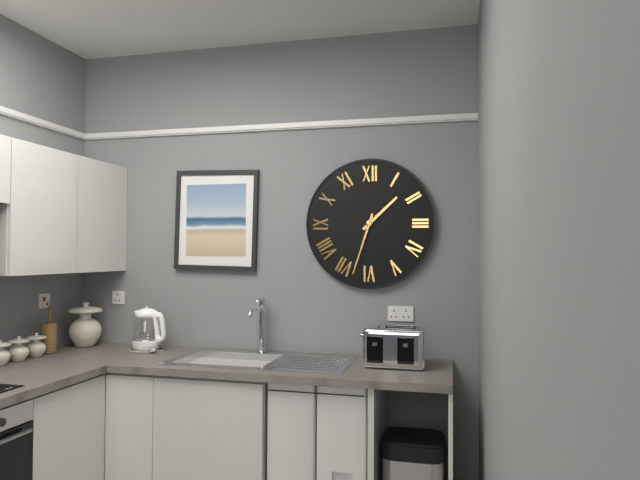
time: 1:33
